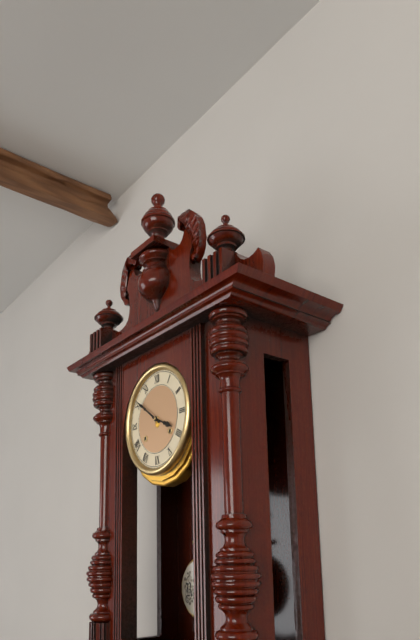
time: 3:51
